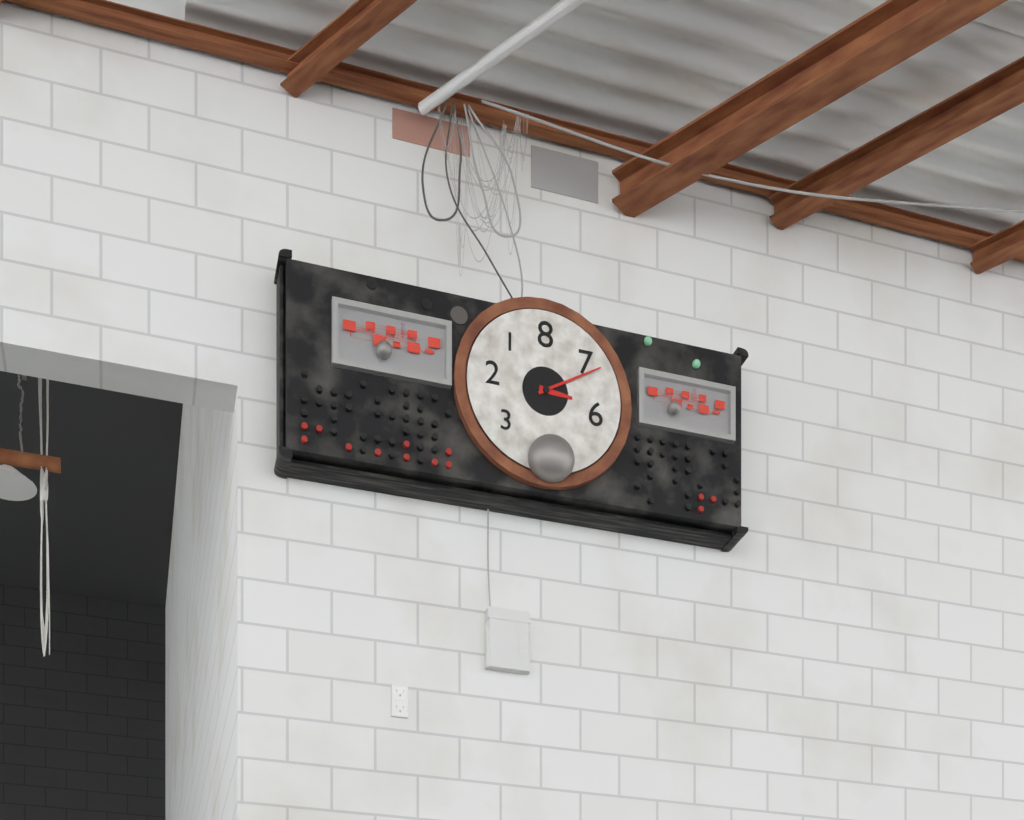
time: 3:10
